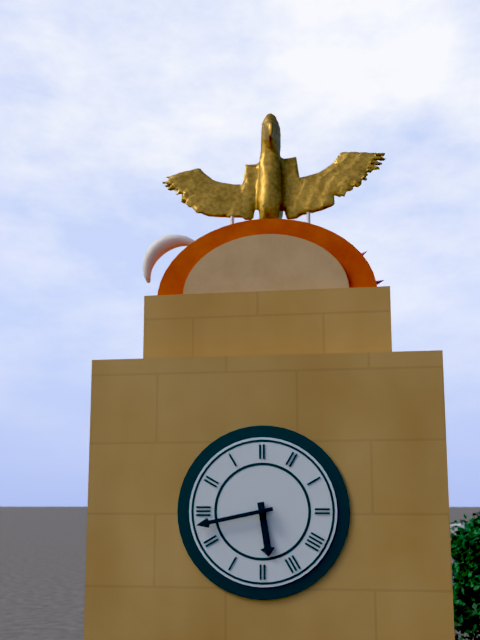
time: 5:43
